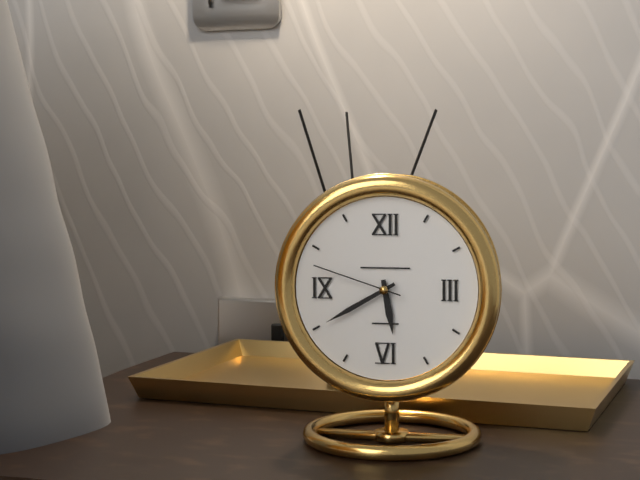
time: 5:40:48
